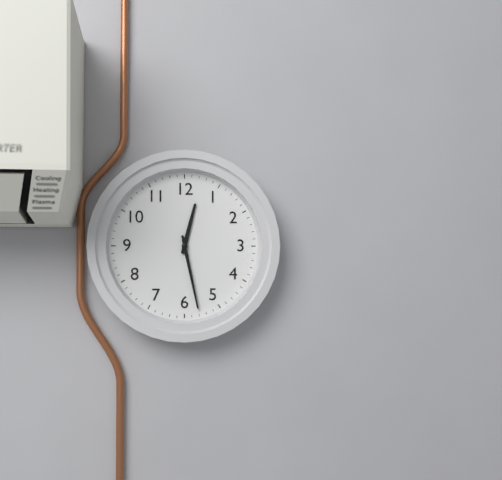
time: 12:28
